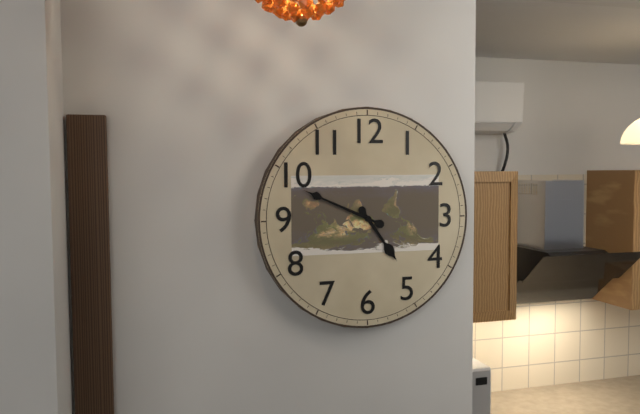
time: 4:49
